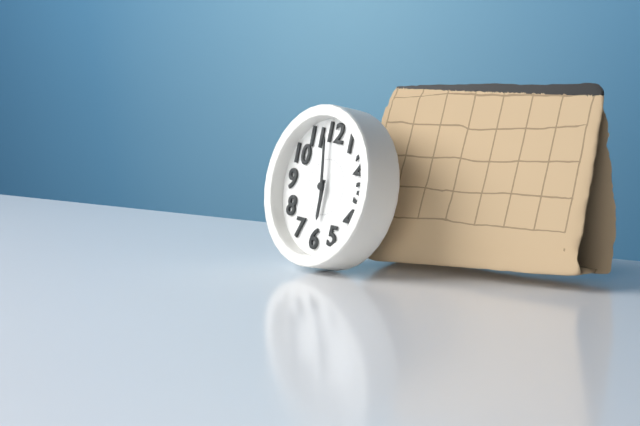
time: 5:58
